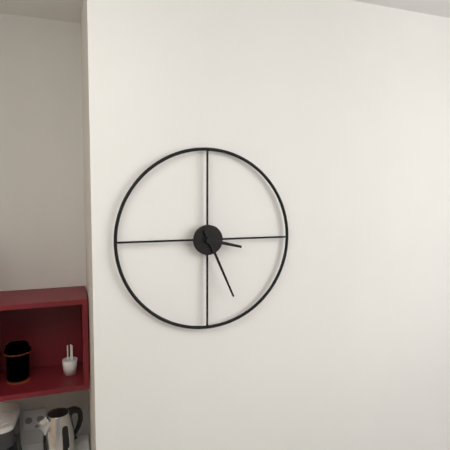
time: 3:26
